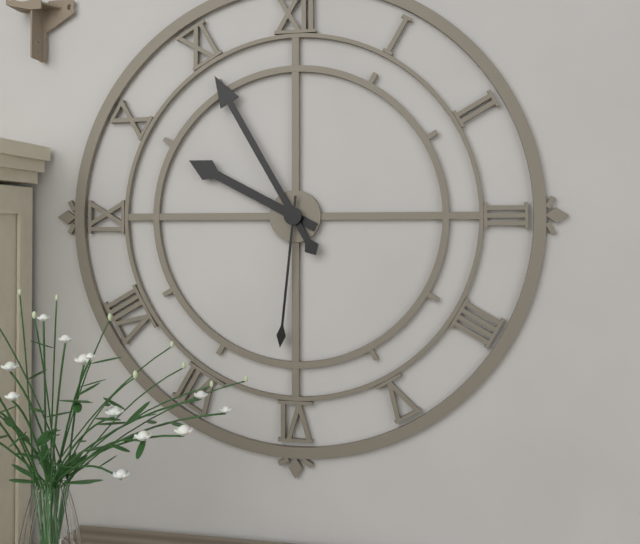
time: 9:55:31
